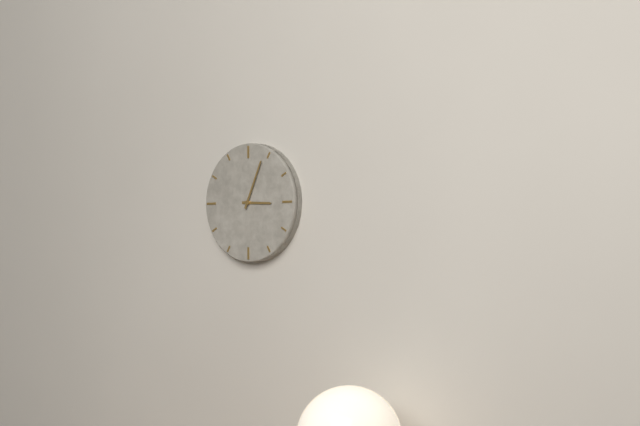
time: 3:04
